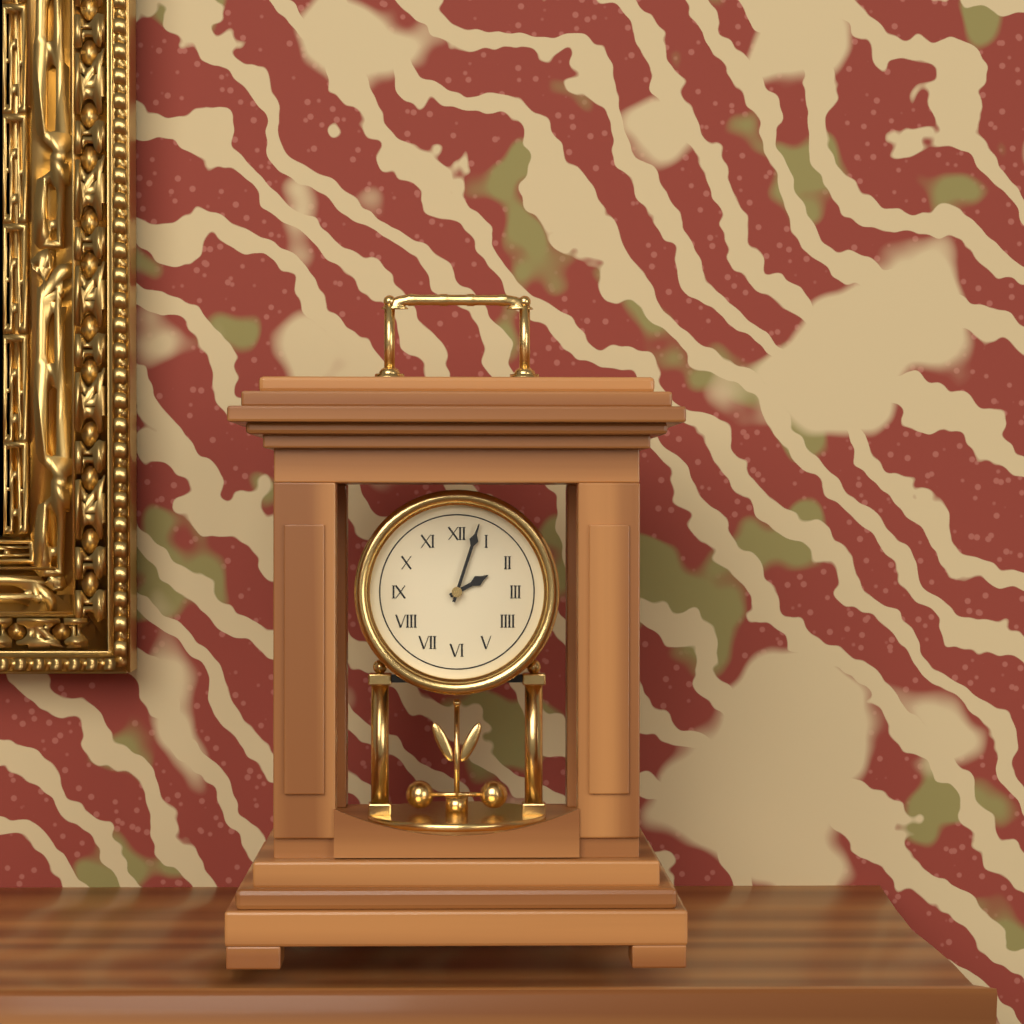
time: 2:03
